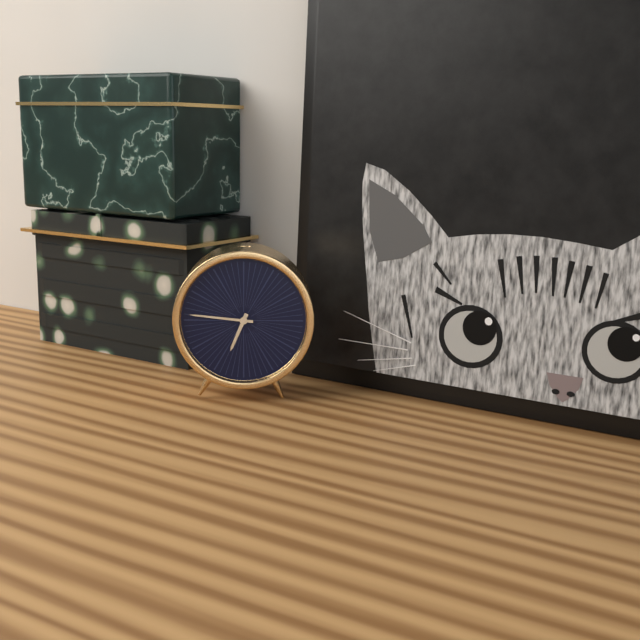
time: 6:46
